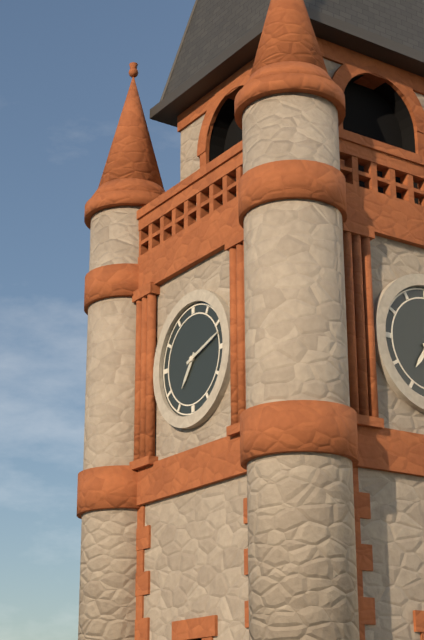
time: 7:12
